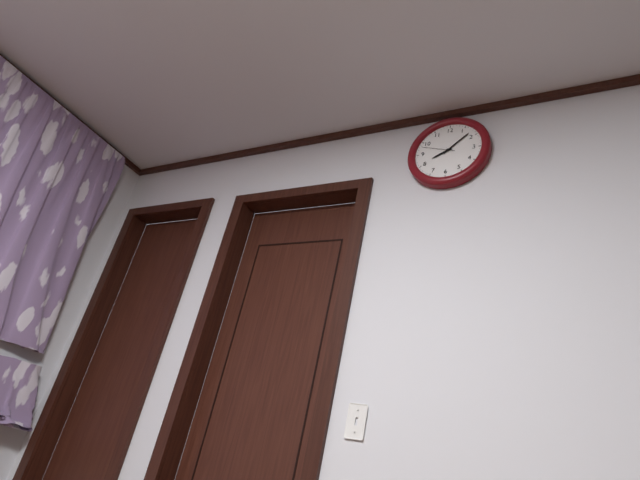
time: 8:08
